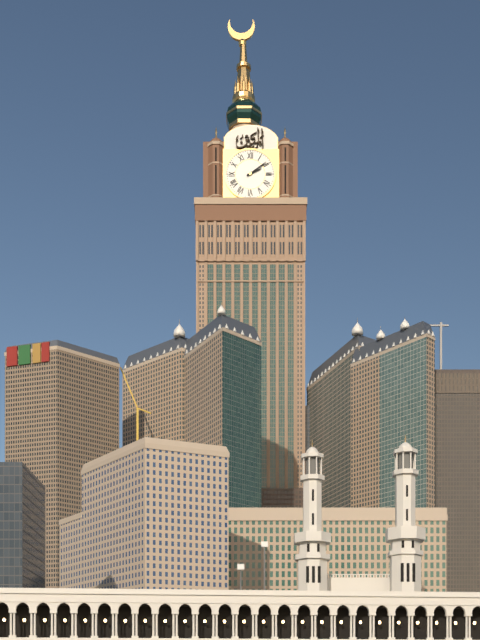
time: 2:09
